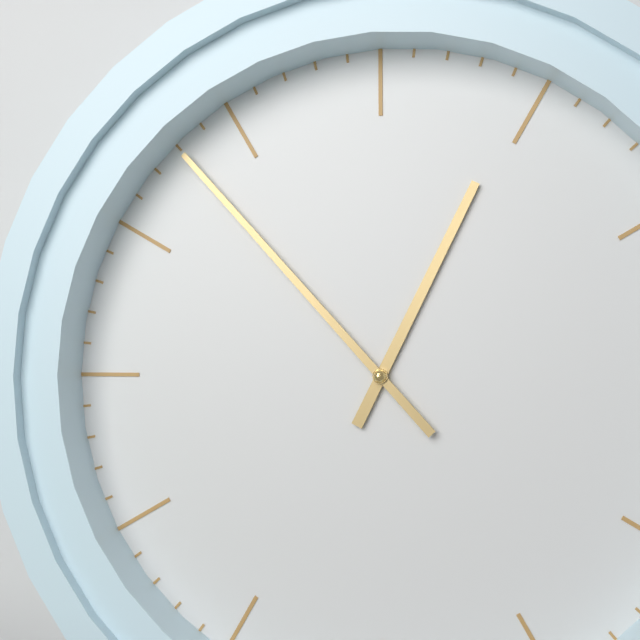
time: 12:53
